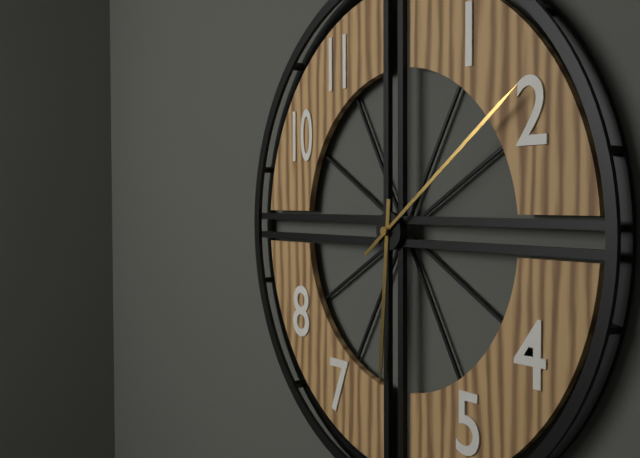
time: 6:09
